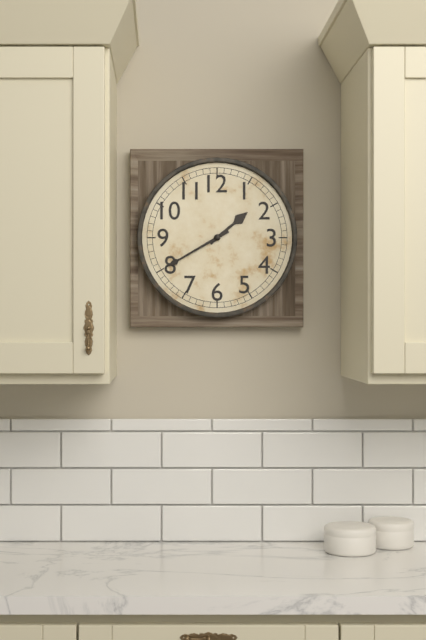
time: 1:40
